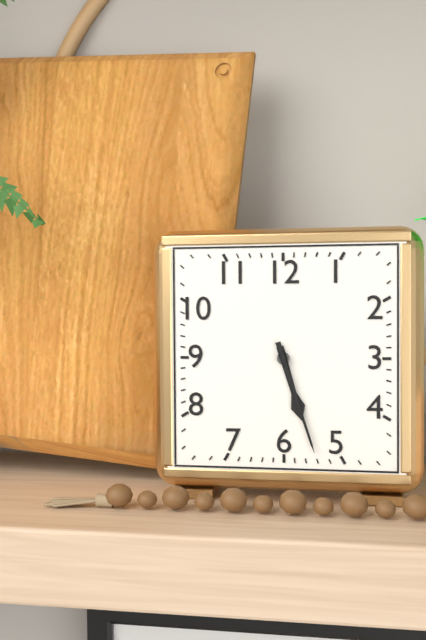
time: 5:27
